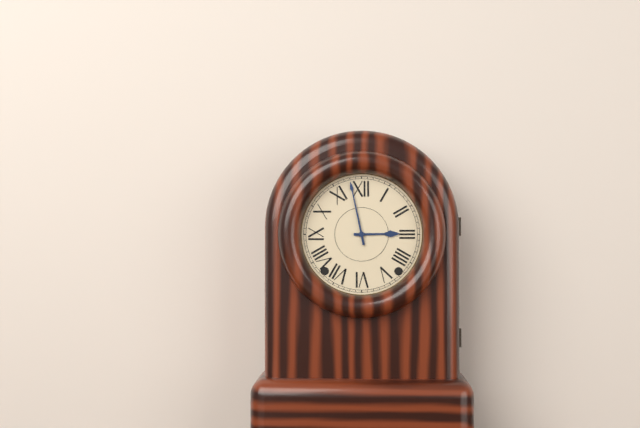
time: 2:58
